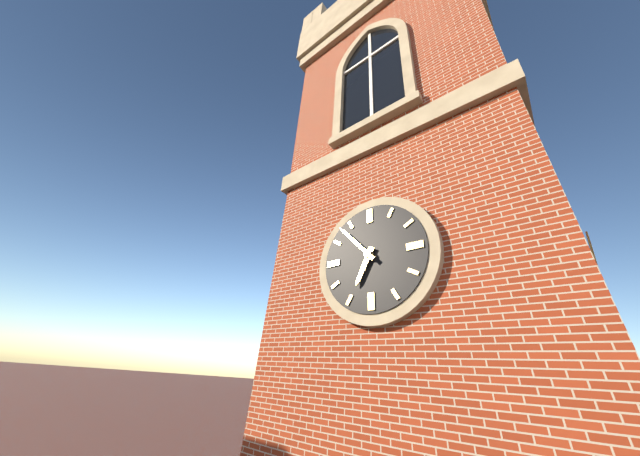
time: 6:53
